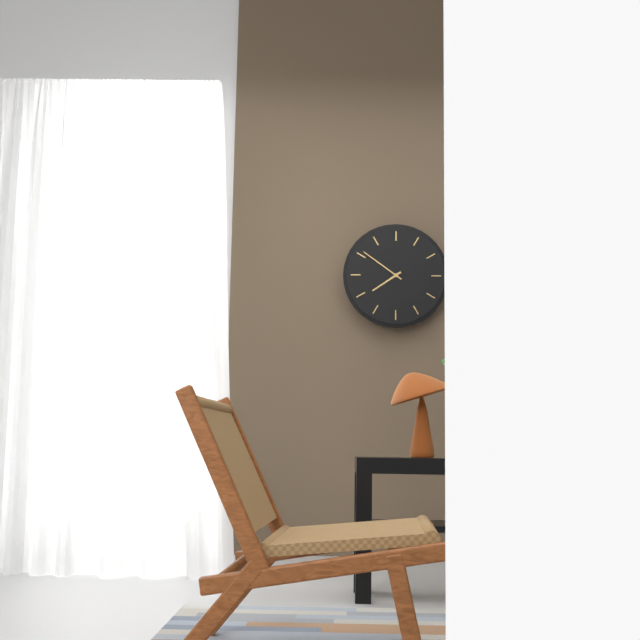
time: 7:51
